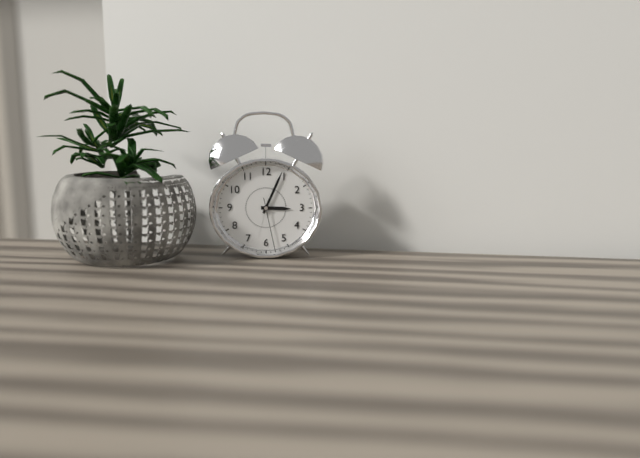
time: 3:04:28
